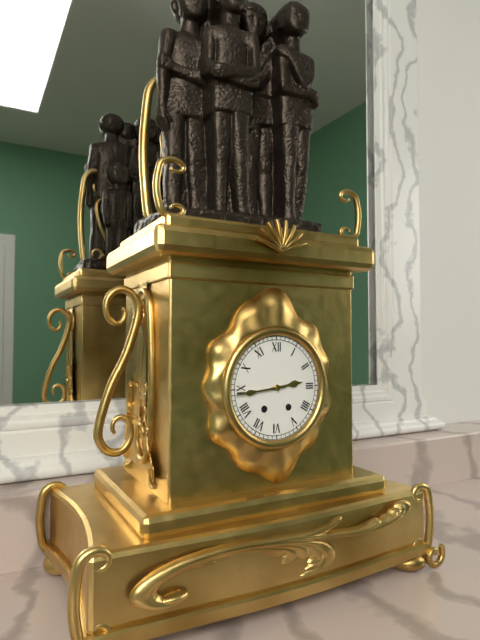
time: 2:44
